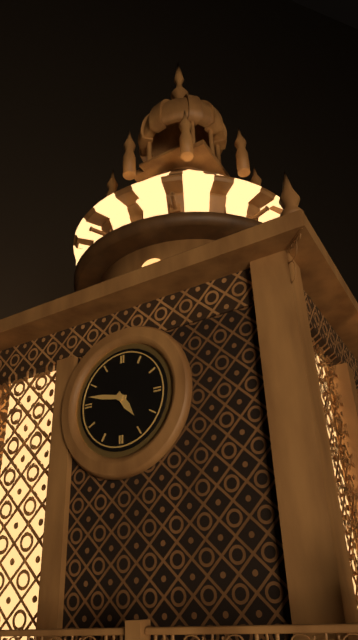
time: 4:47
